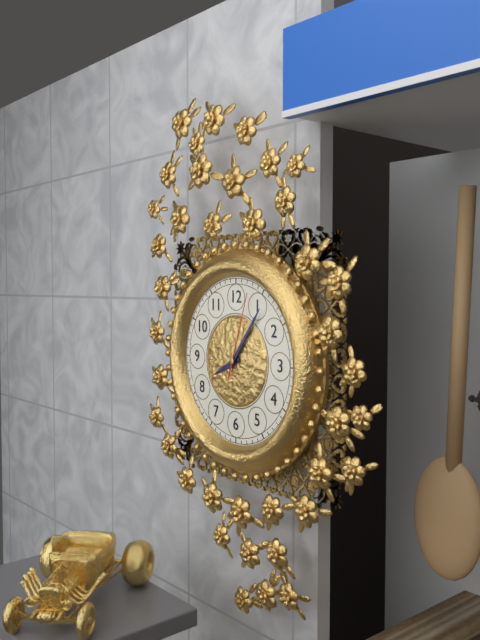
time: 8:06:03
